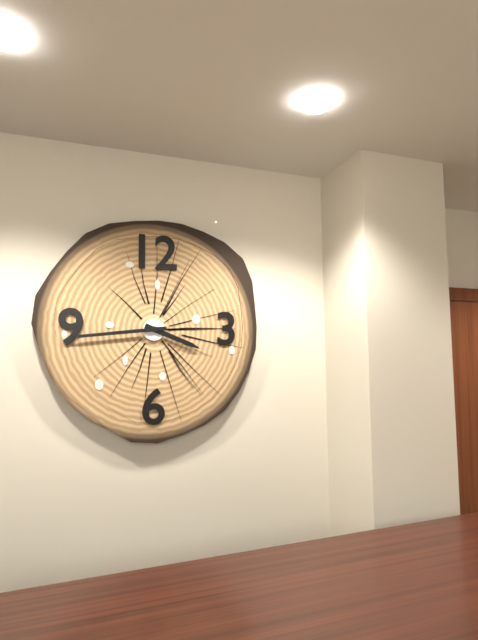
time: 3:44
